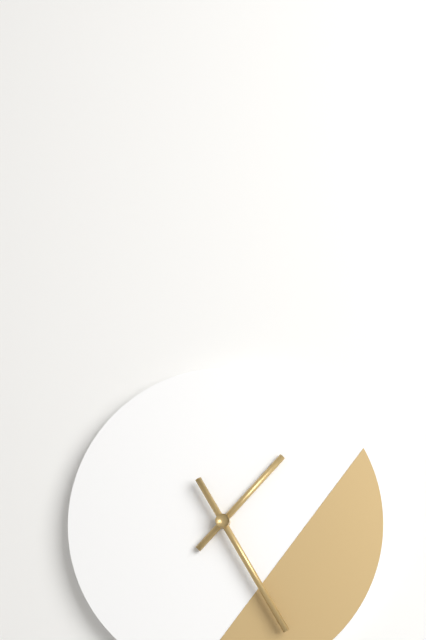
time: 1:25
